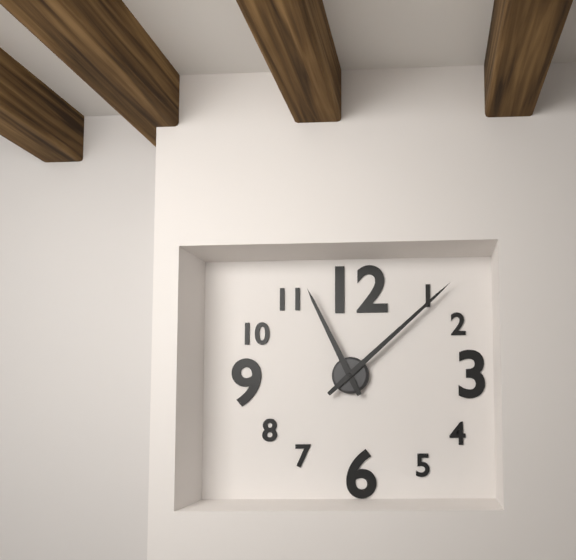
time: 11:08
